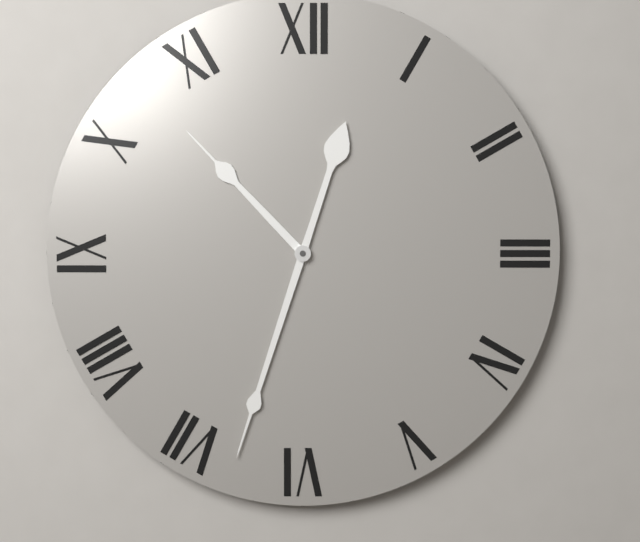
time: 10:33
